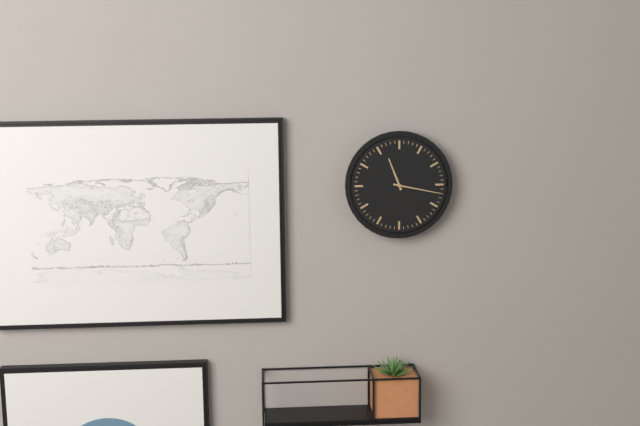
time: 11:17
